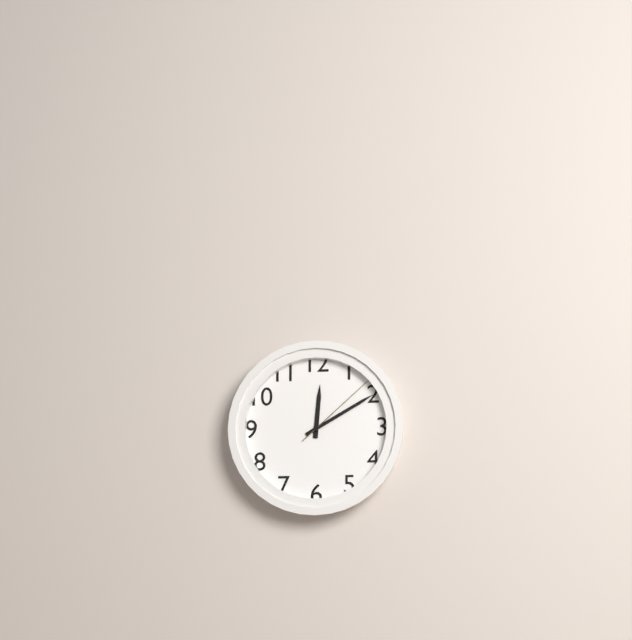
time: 12:10:08
